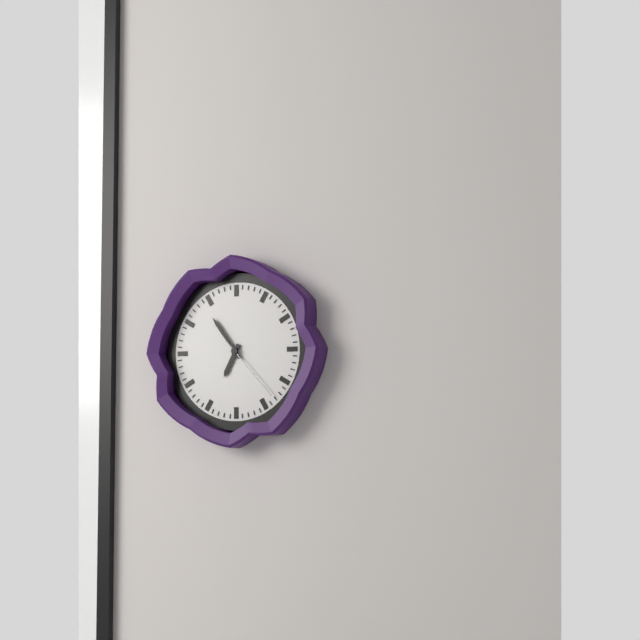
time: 6:54:23
